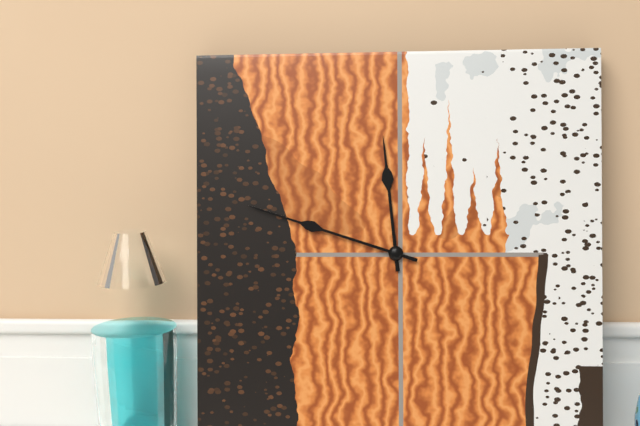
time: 11:48
